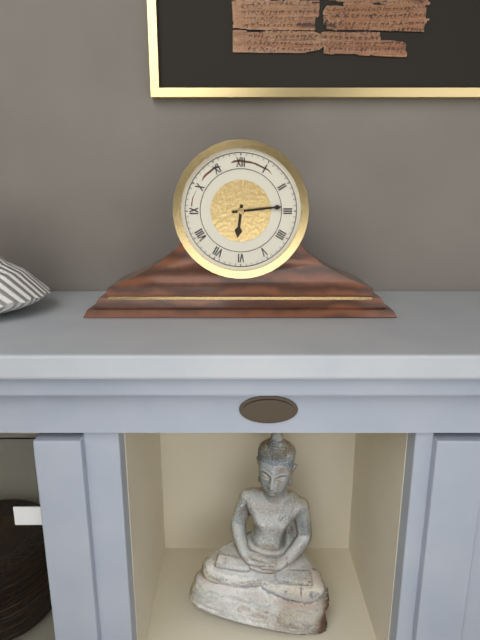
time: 6:14
